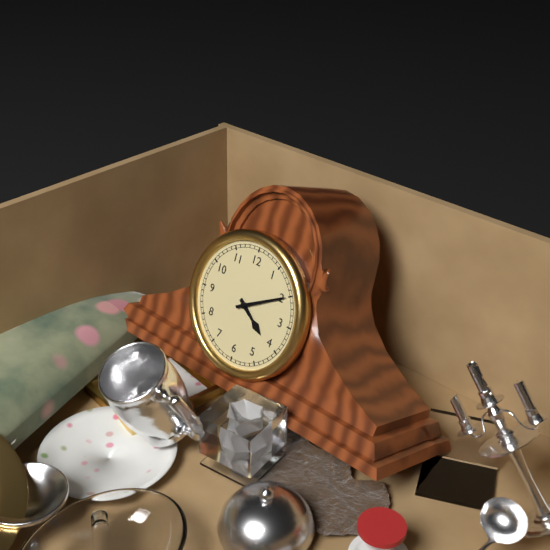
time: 4:10
